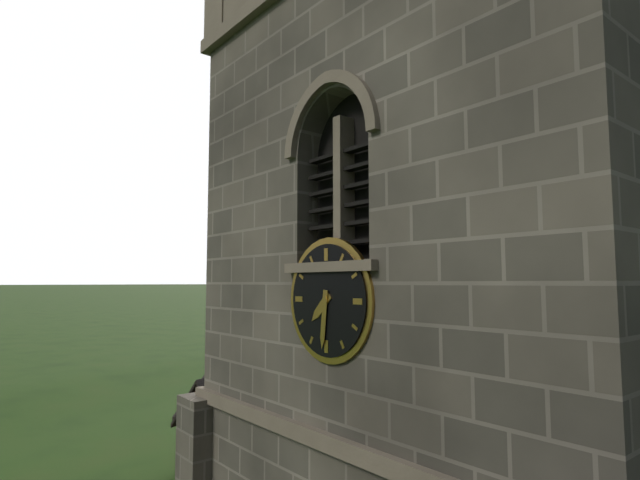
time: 7:31
